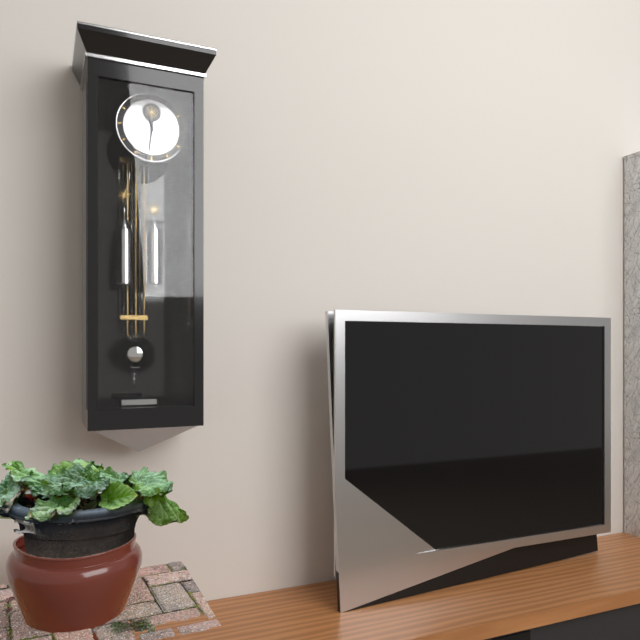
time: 11:31
